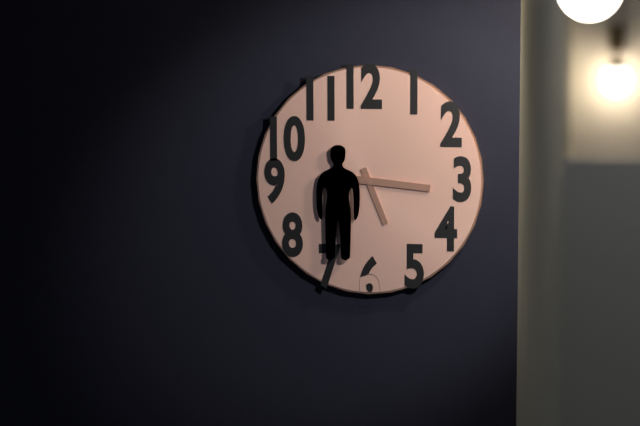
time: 5:16
